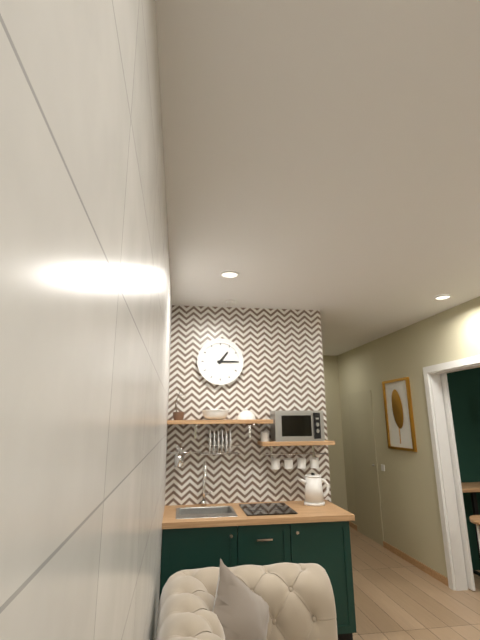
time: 1:15
